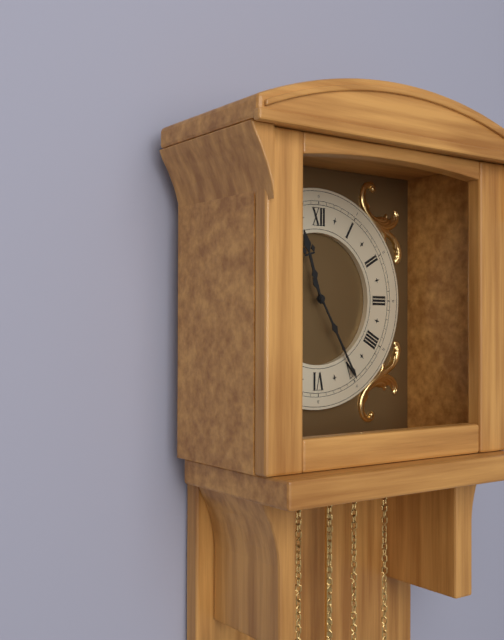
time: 11:25
